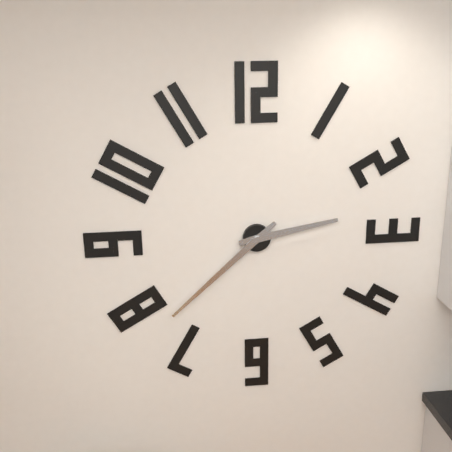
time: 2:38
